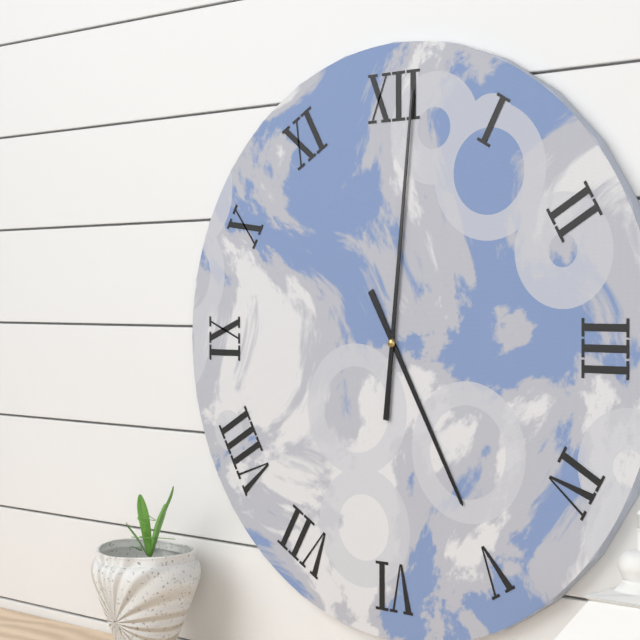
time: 5:01
